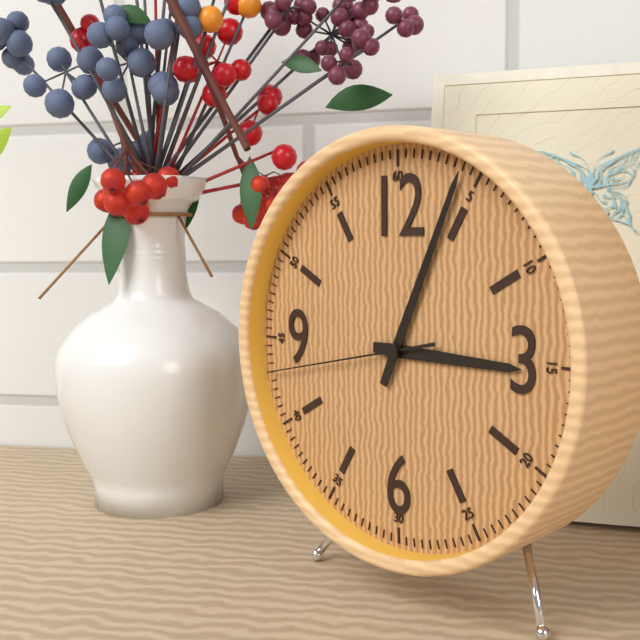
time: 3:04:43
